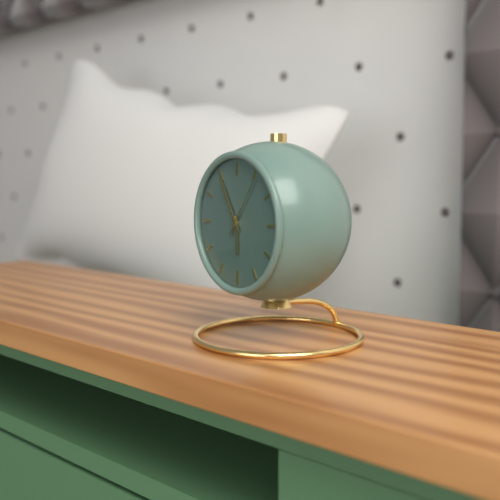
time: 5:55:06
